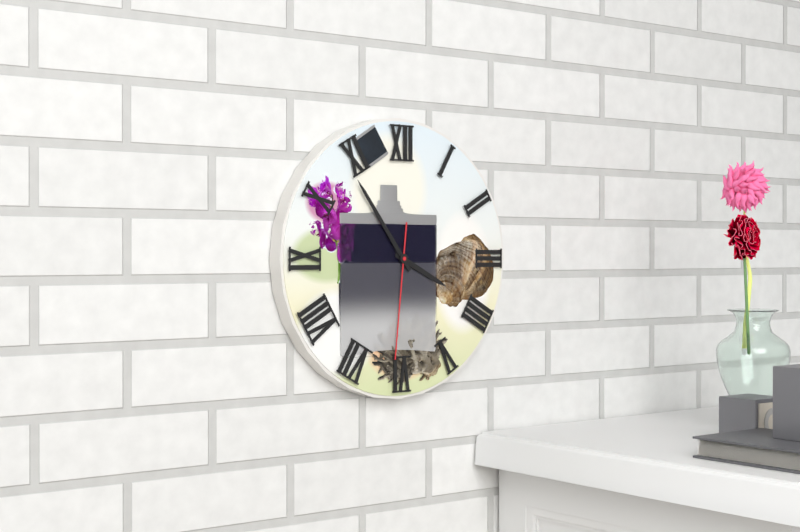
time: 3:54:31
